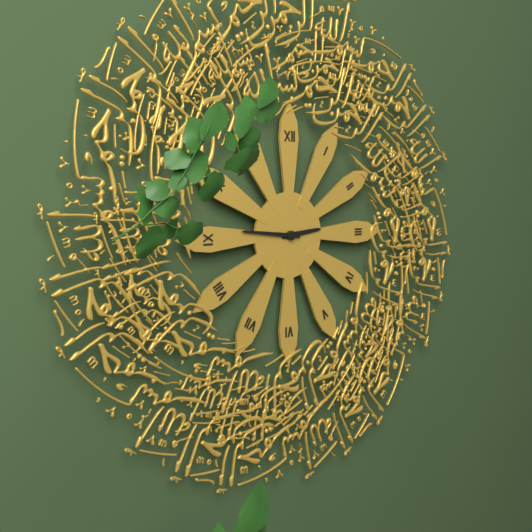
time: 2:46
